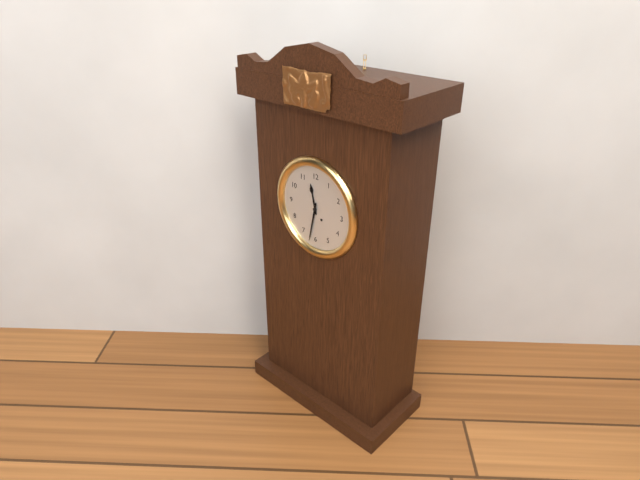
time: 11:32
